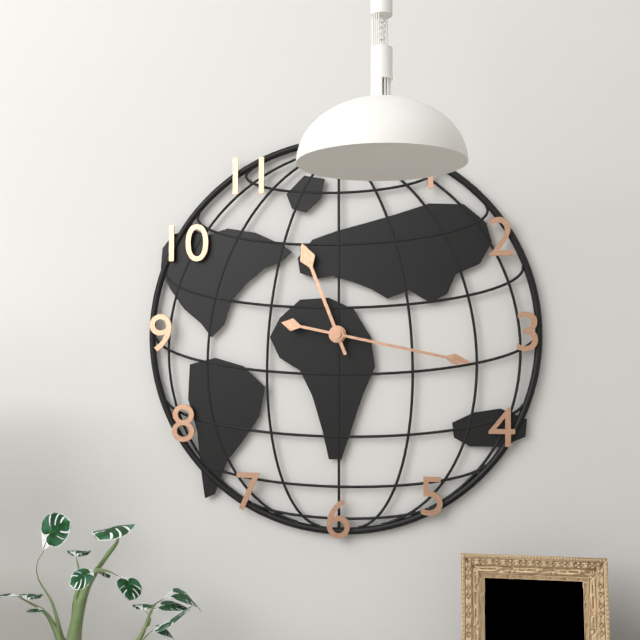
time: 11:17
